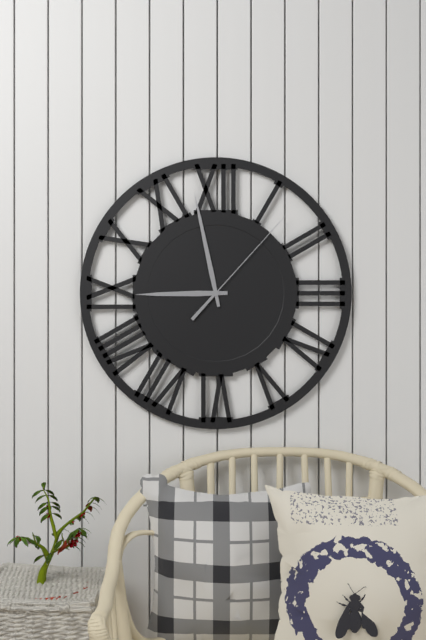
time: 8:58:07
